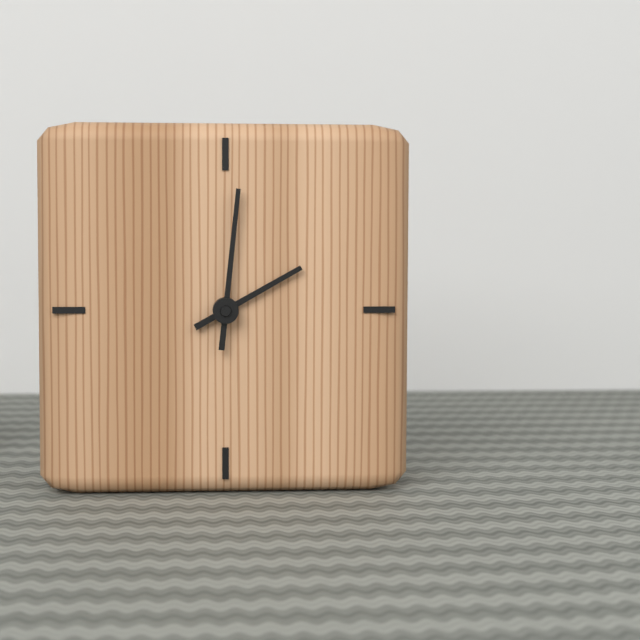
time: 2:01
